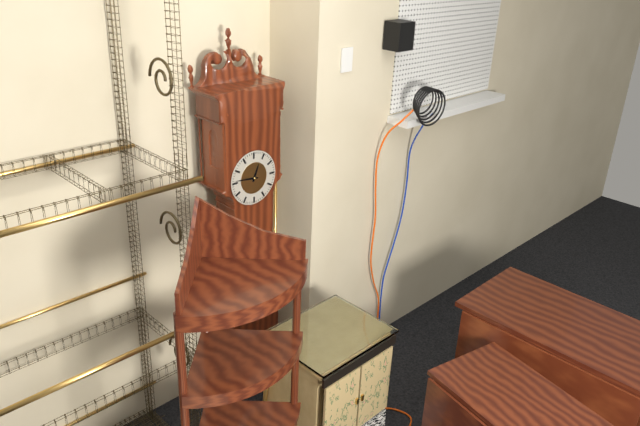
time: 12:46
